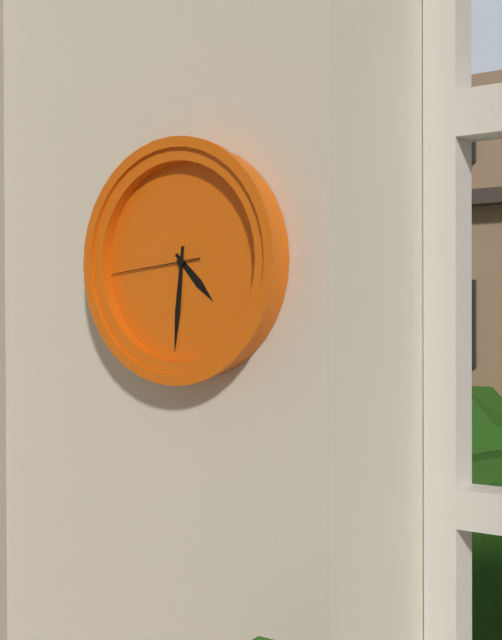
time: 4:31:44
